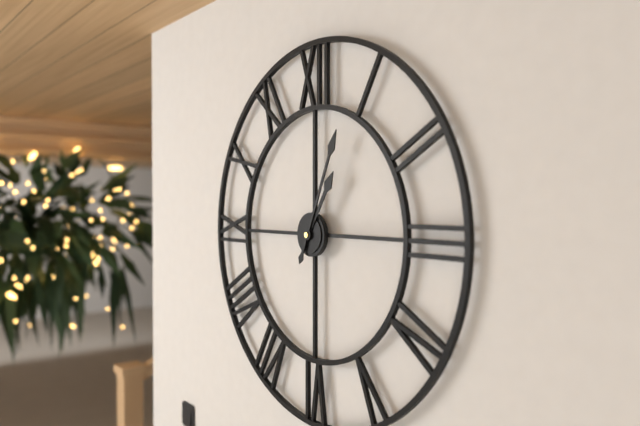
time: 1:04
